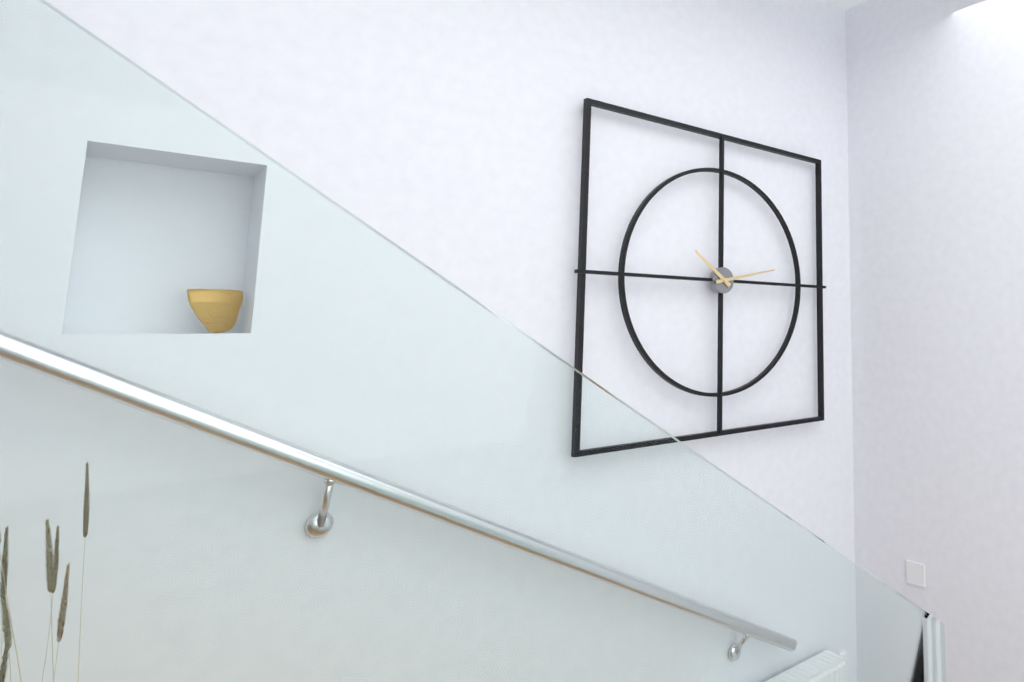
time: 10:13
